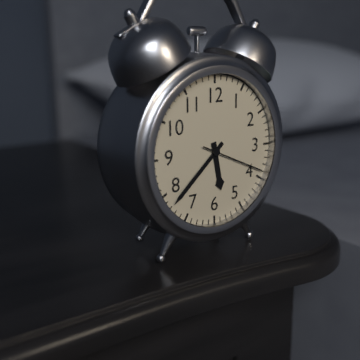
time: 5:38:19
